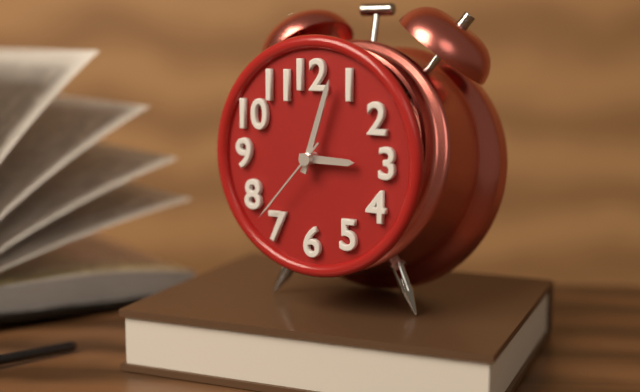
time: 3:03:37
